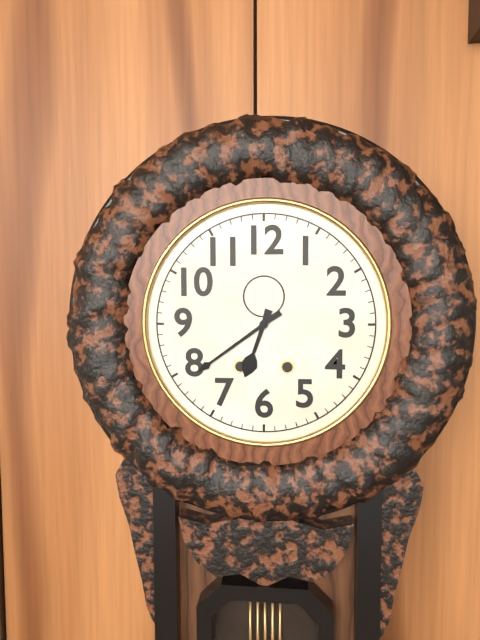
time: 6:39
